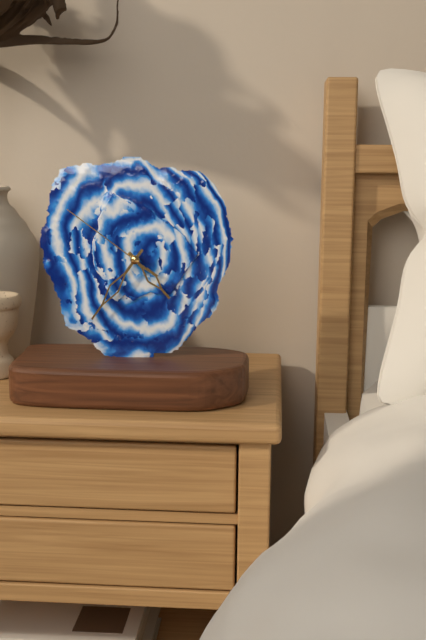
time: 4:36:51
